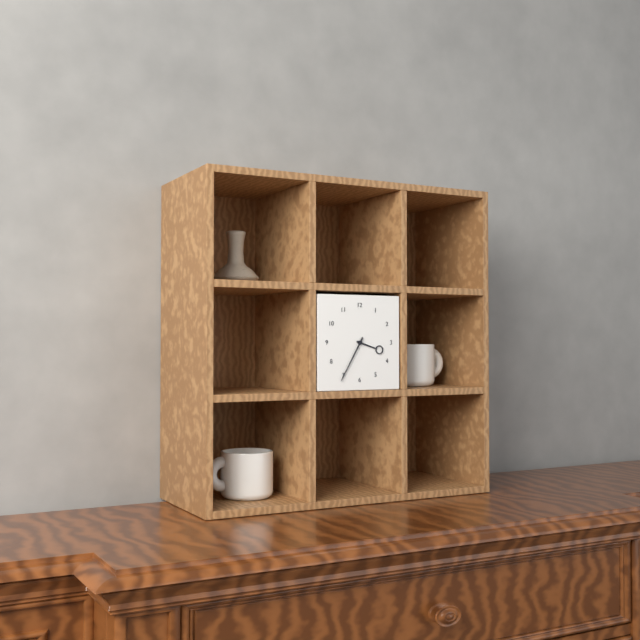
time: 3:35
